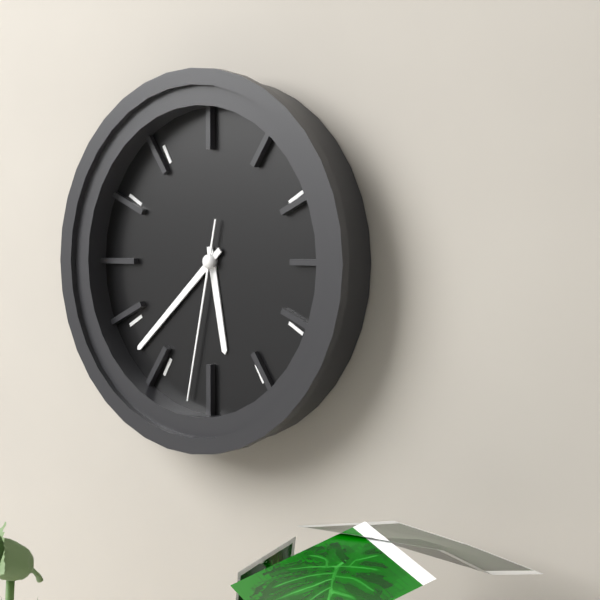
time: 5:38:32
